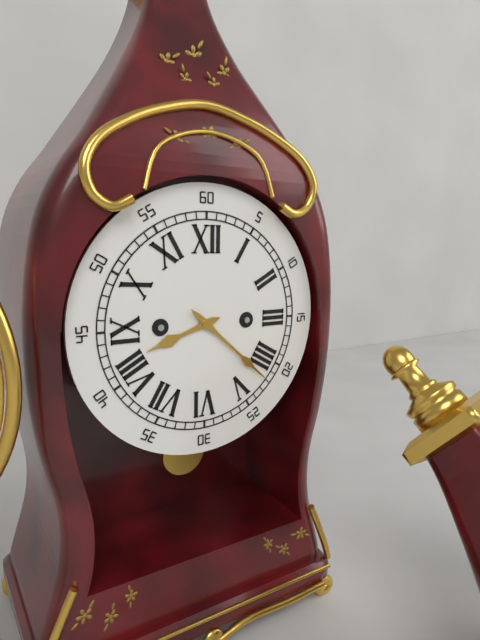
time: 8:22
